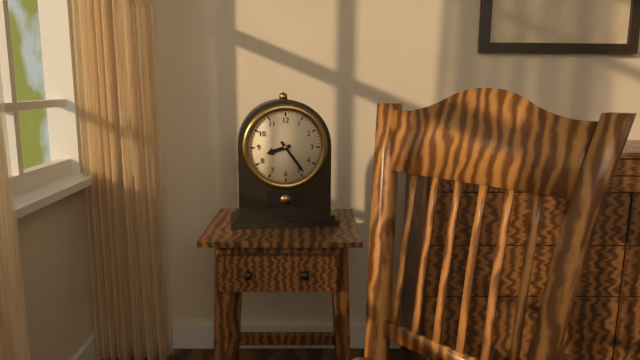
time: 8:24
